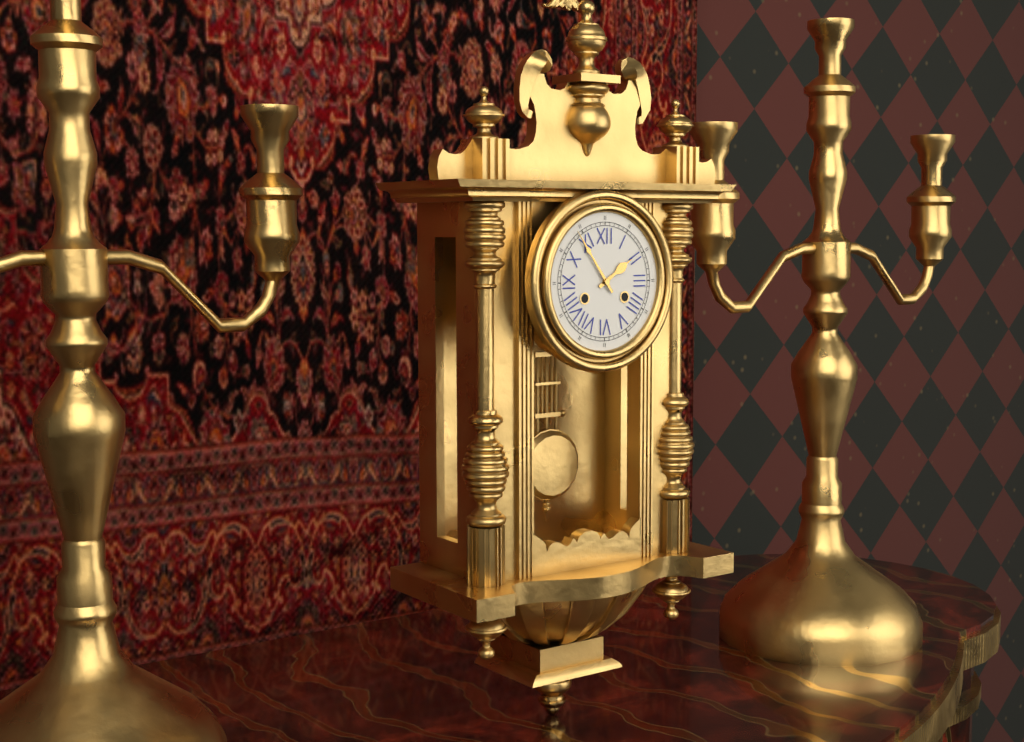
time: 1:54
